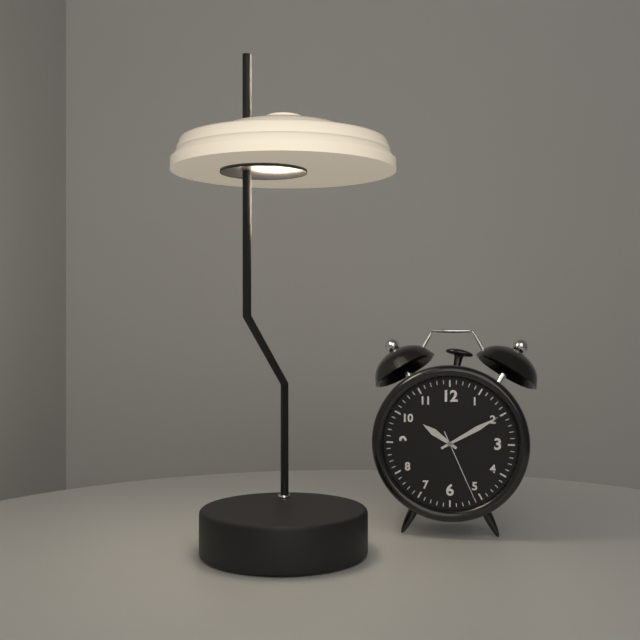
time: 10:10:26
